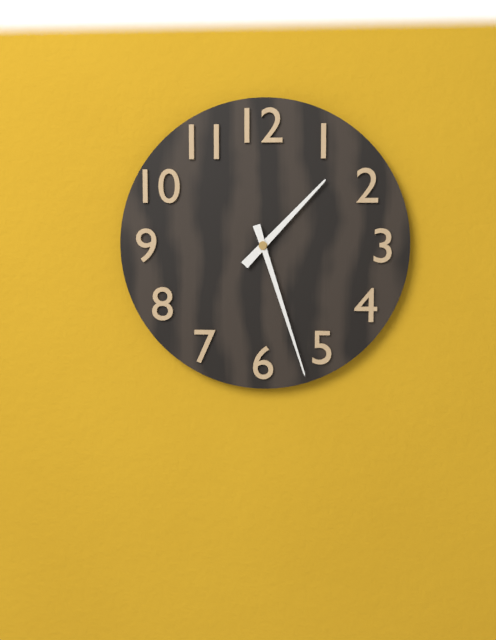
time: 1:27
